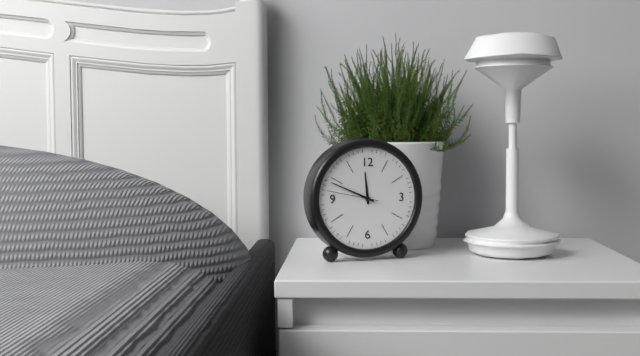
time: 11:49:47
